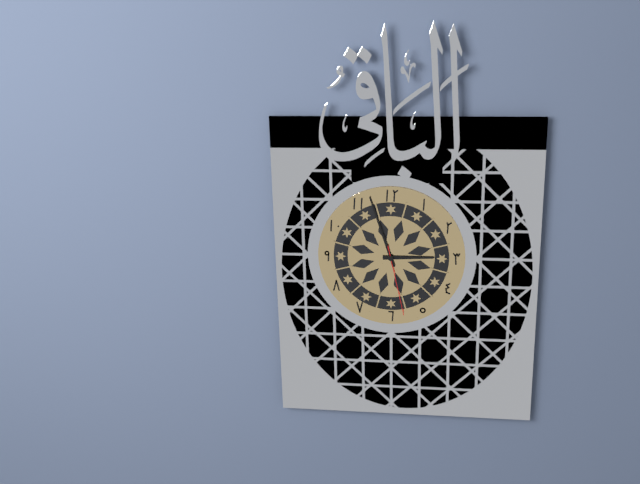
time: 2:57:28
